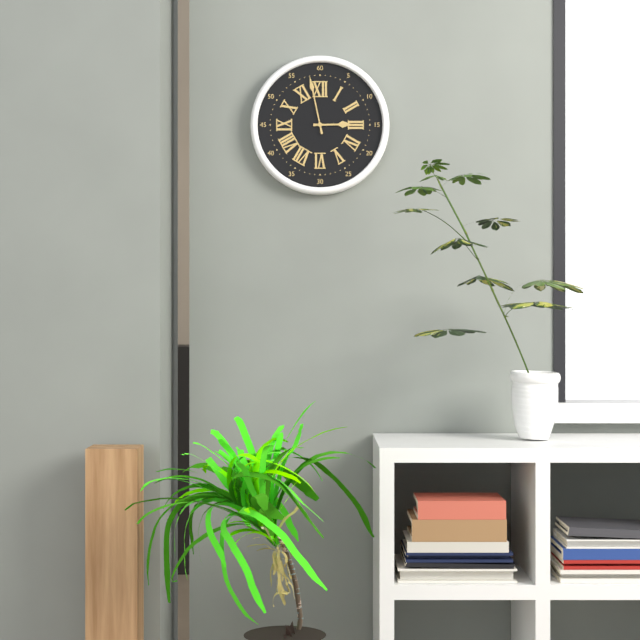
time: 2:58
